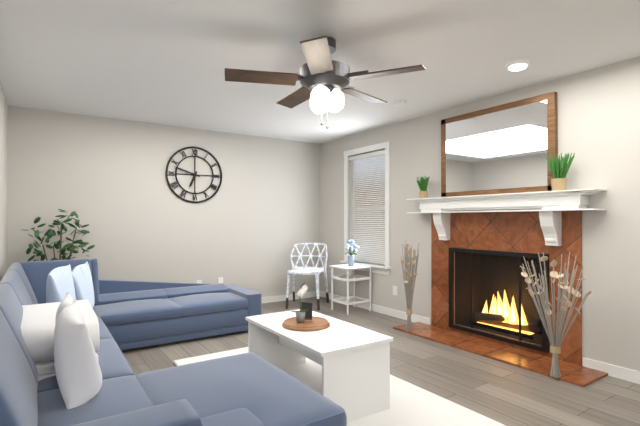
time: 6:48
